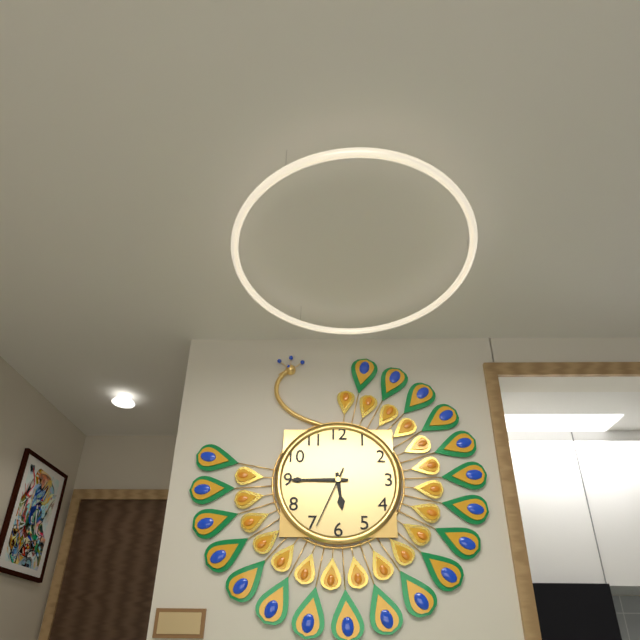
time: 5:45:34
